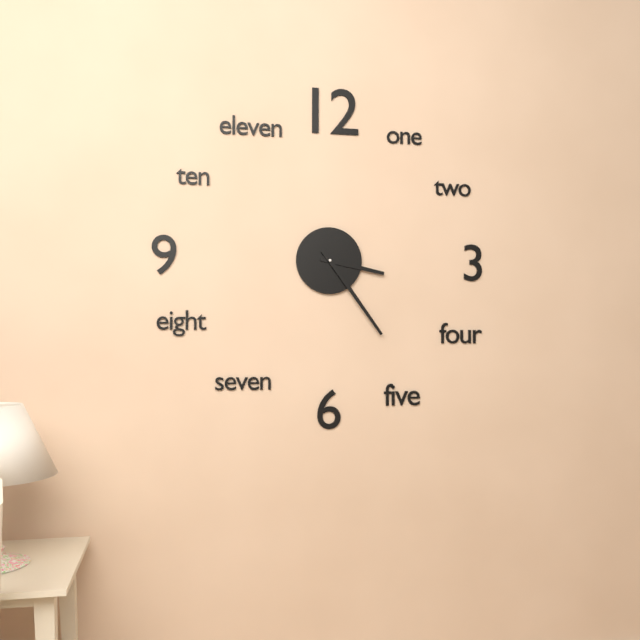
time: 3:24
